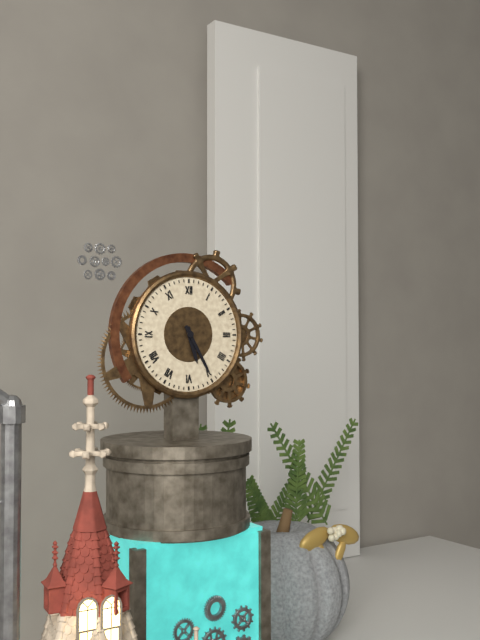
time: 5:25
